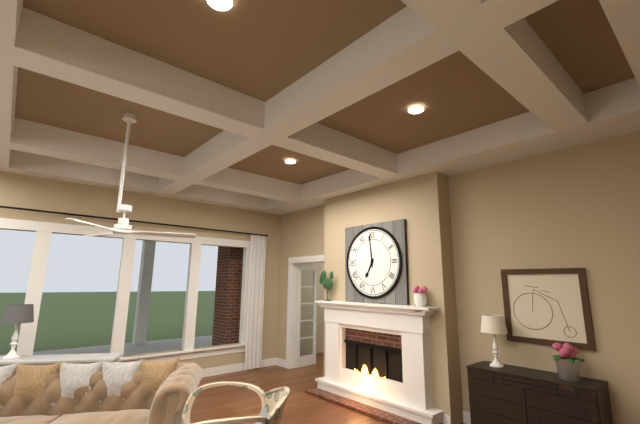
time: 6:59
